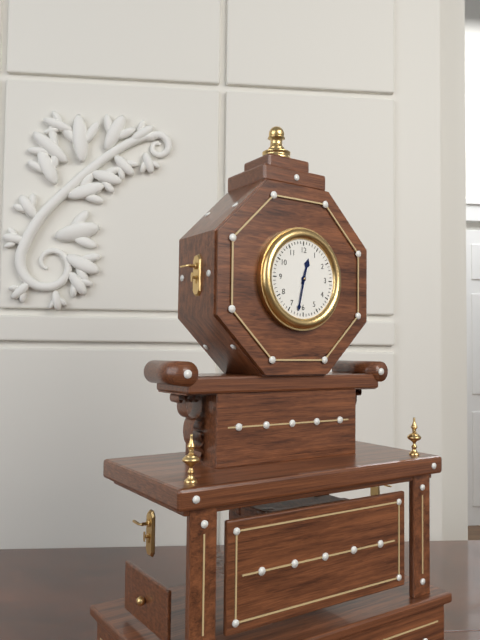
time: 12:32
